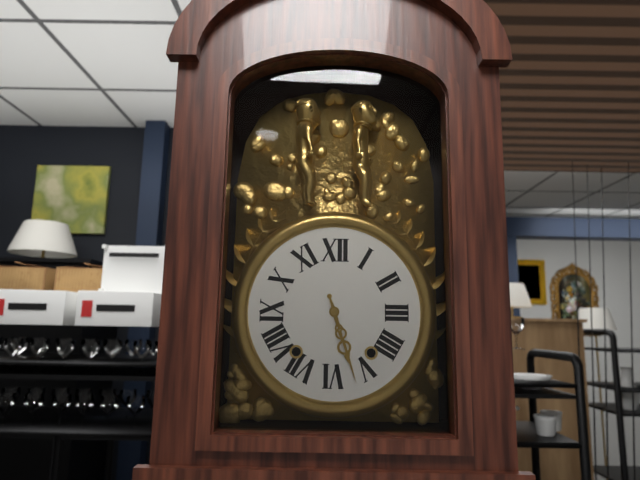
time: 5:27
